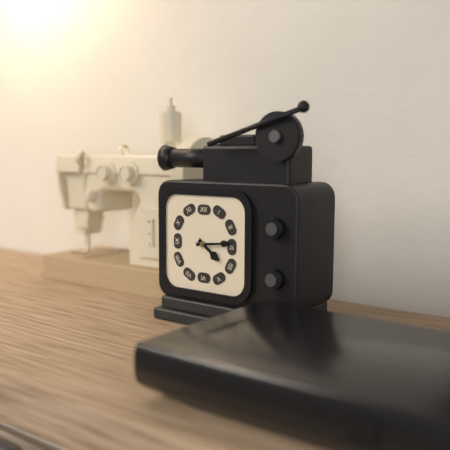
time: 4:14
